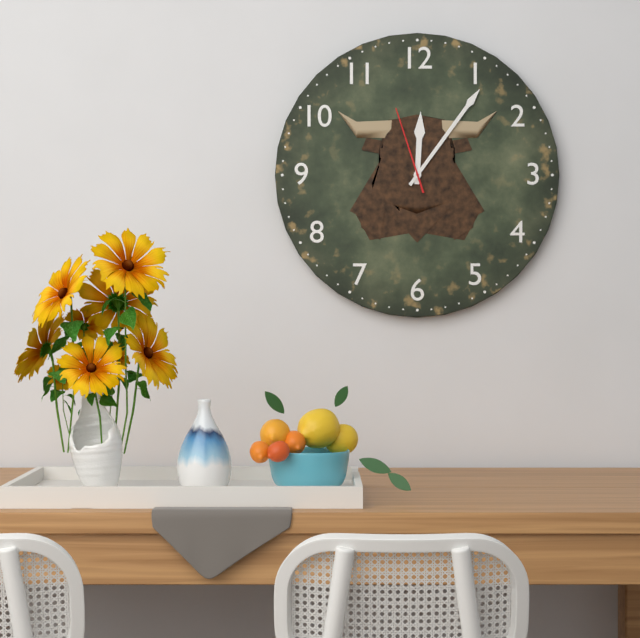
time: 12:06:57
